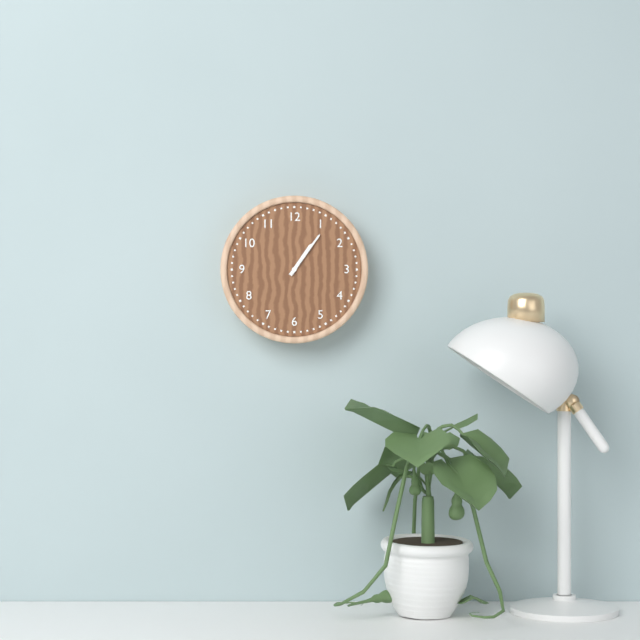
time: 1:06
